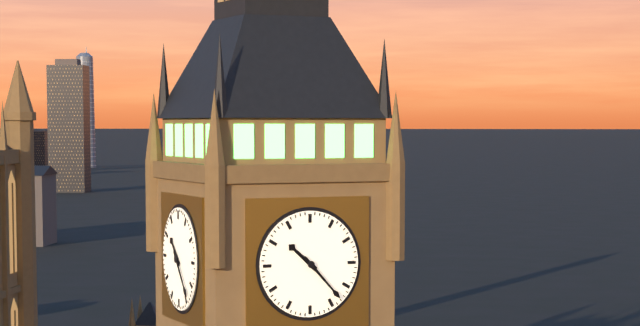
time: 10:23
